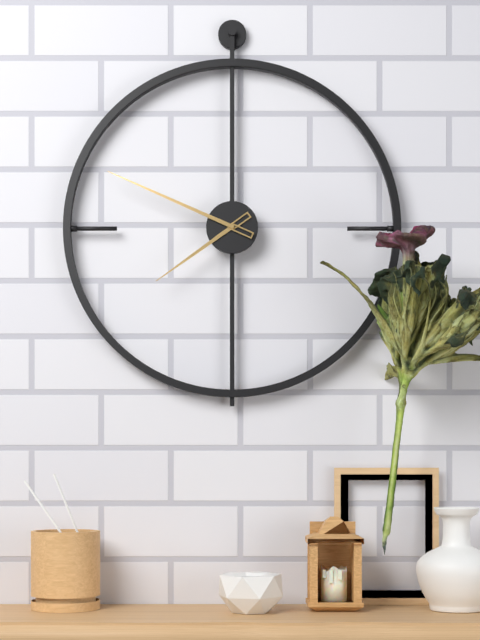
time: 7:49
